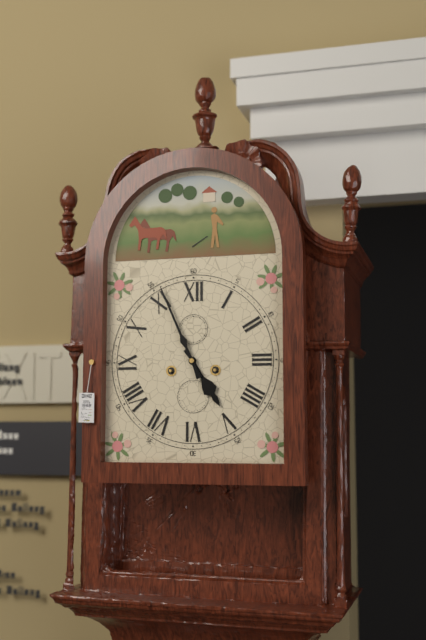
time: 4:56
